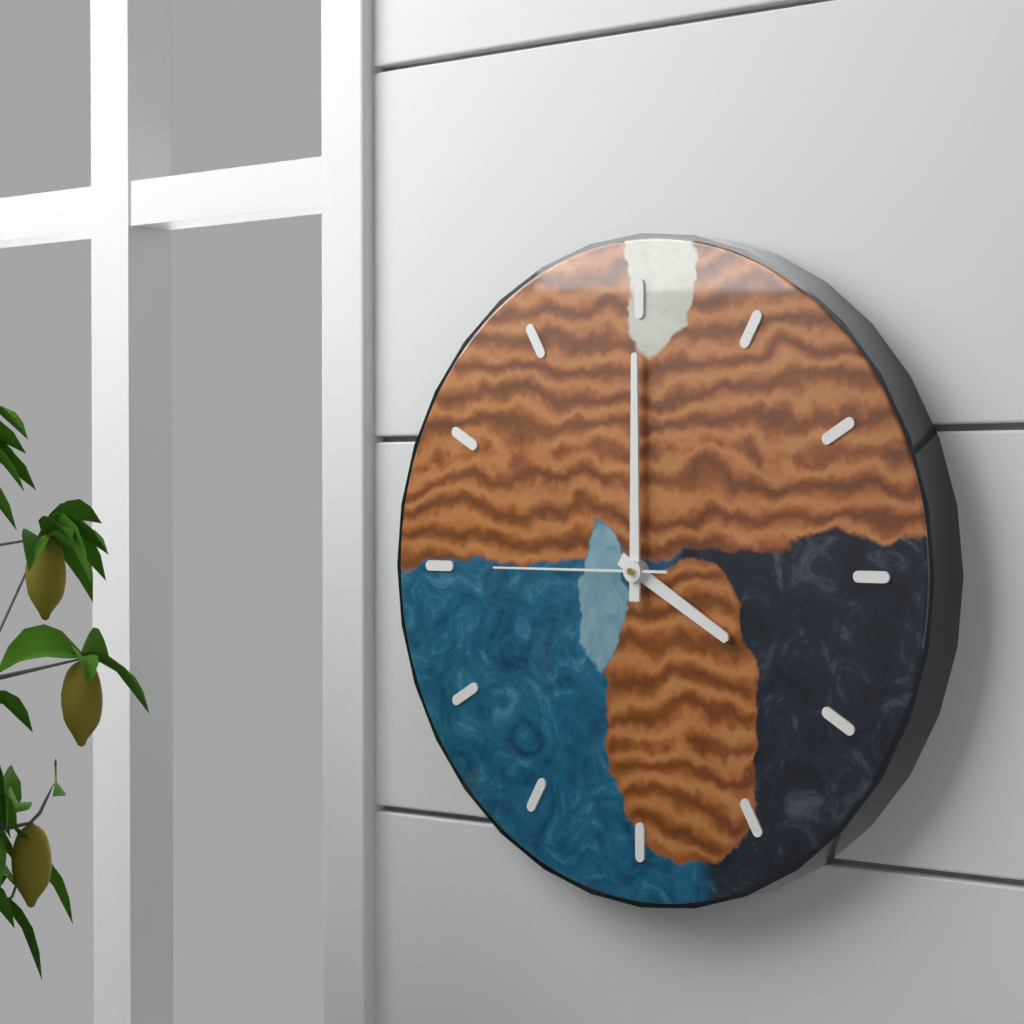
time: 4:00:45
